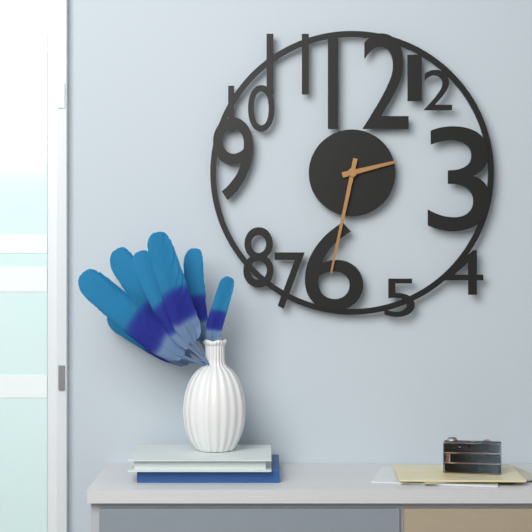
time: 2:32
